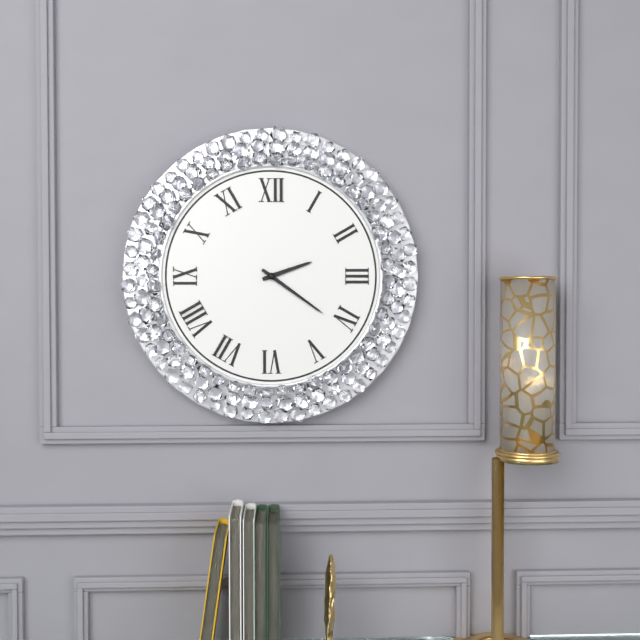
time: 2:21
